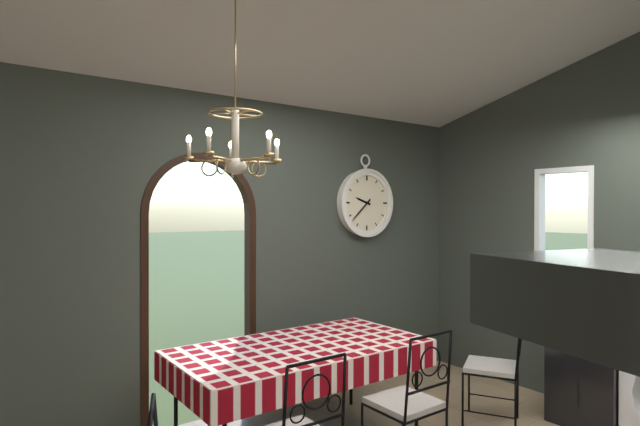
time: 9:38
